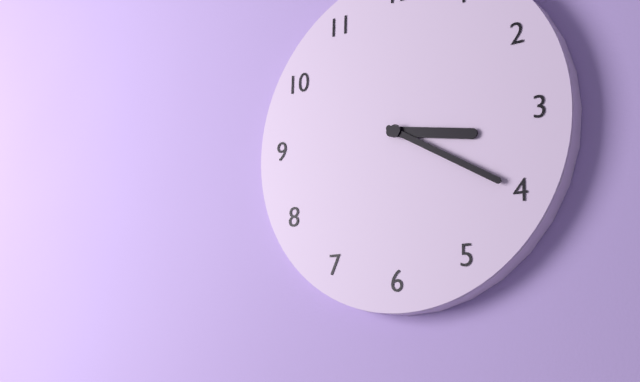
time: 3:20
